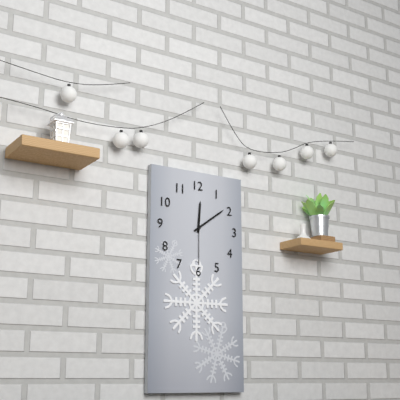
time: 12:09
